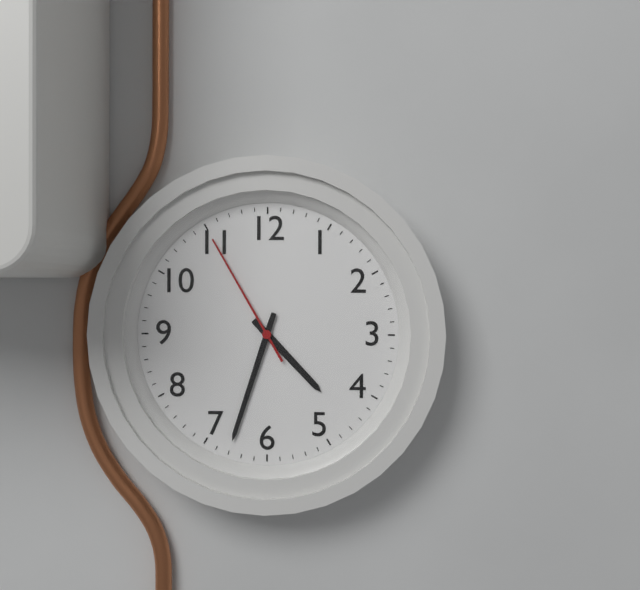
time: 4:33:55
